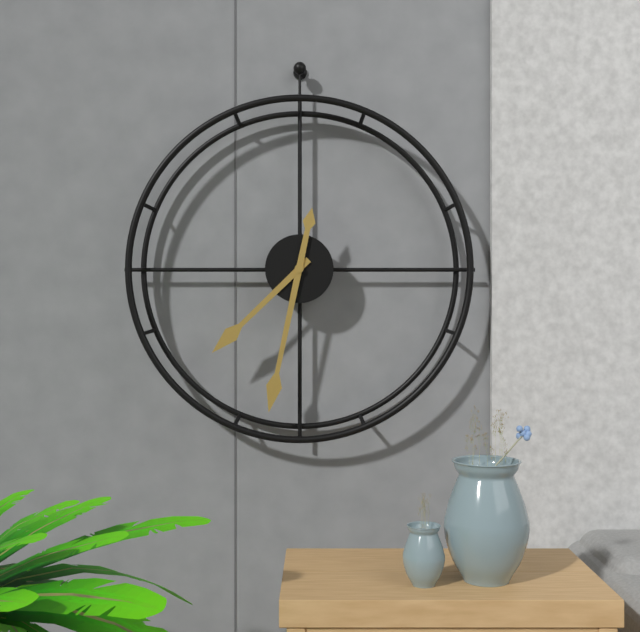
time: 7:32
